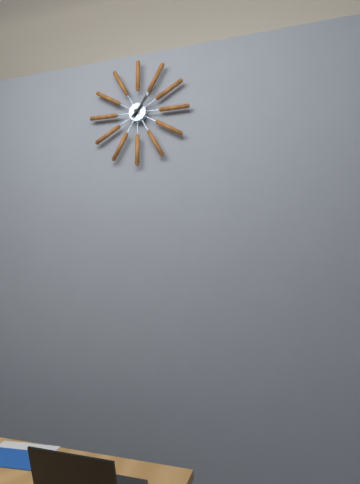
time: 1:07
